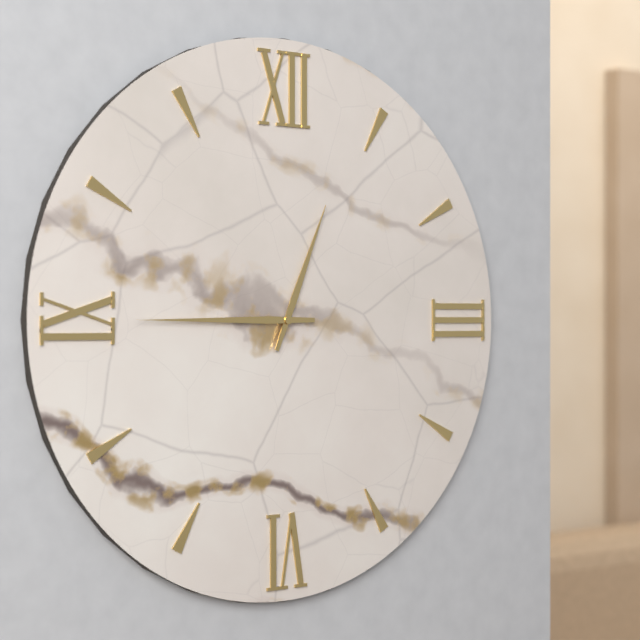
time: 12:45
